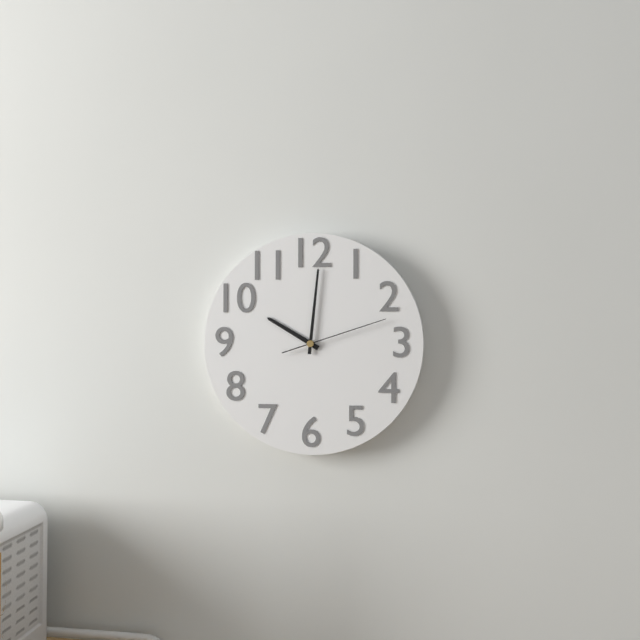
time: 10:01:12
